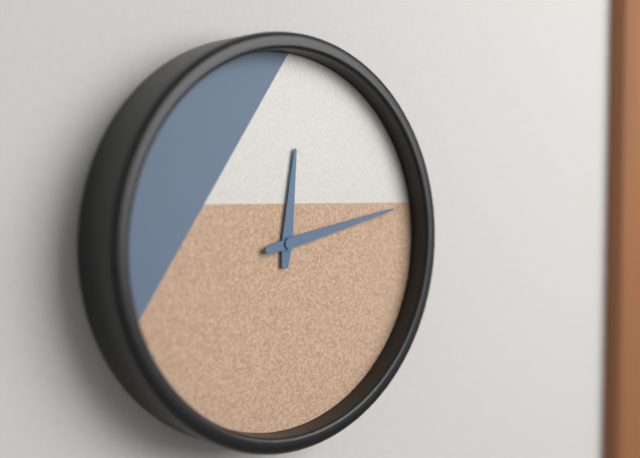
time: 12:13
